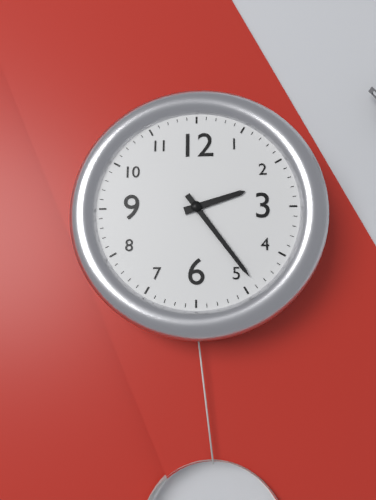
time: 2:24
